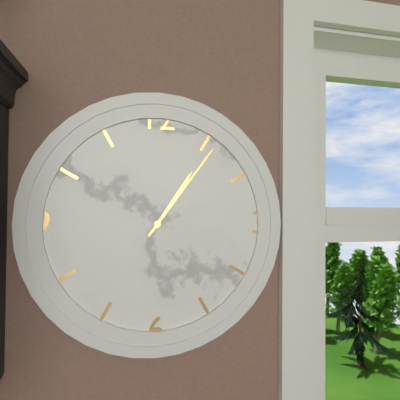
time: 1:06
